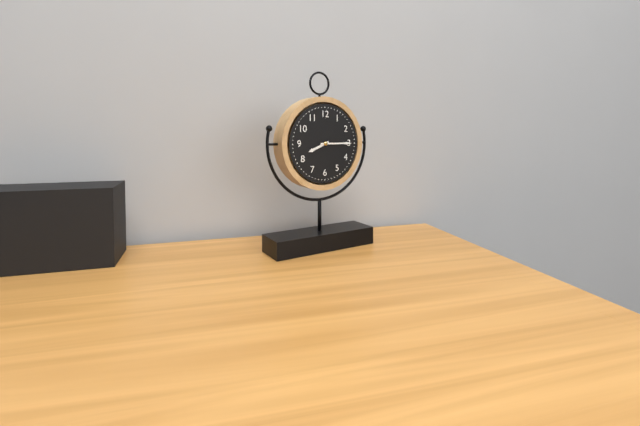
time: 8:15
